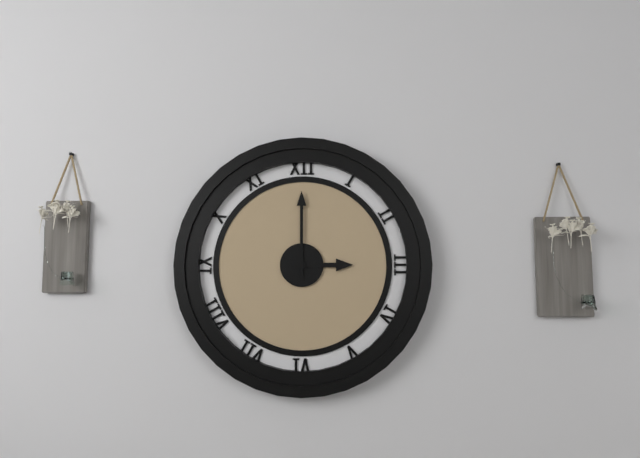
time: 3:00
